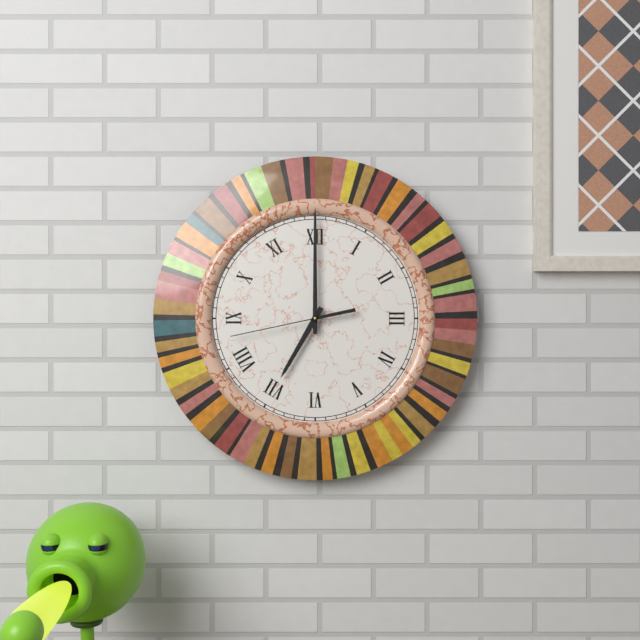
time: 7:00:43
